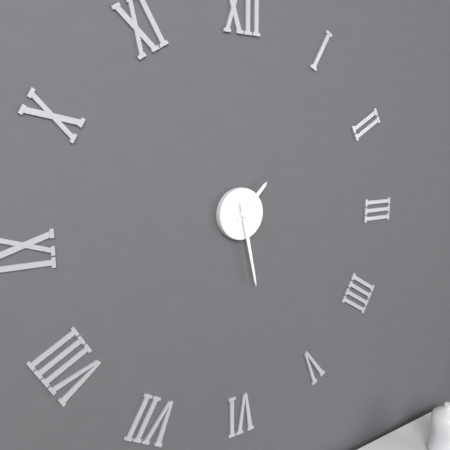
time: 1:28
